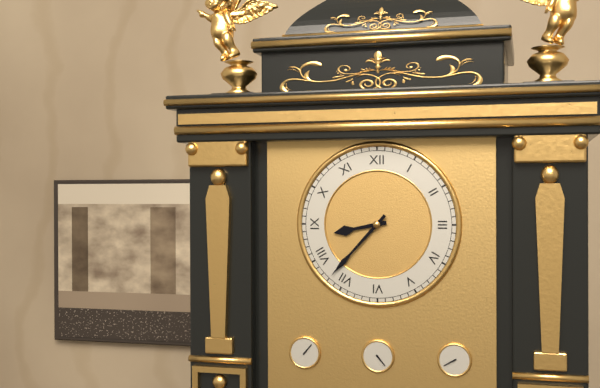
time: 8:37
